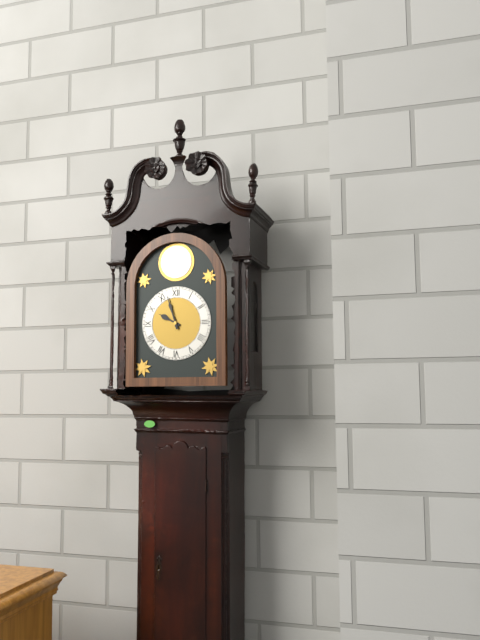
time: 9:57
